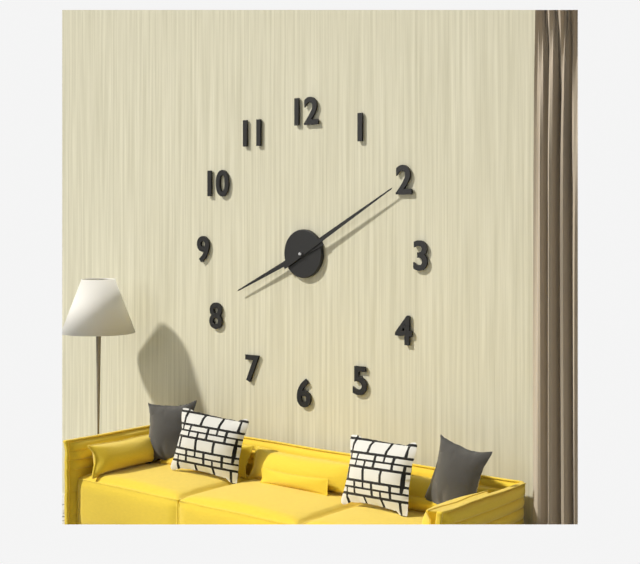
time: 8:10
